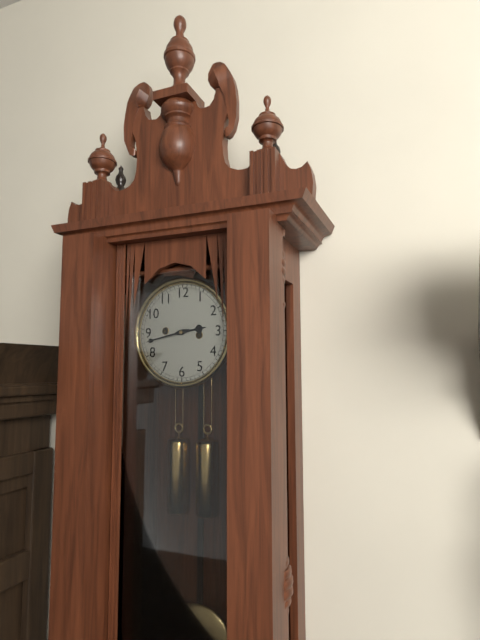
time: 2:43
